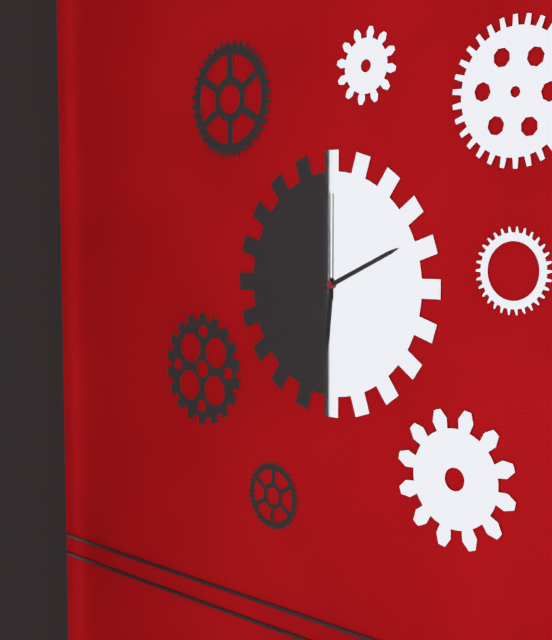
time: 6:11:00
